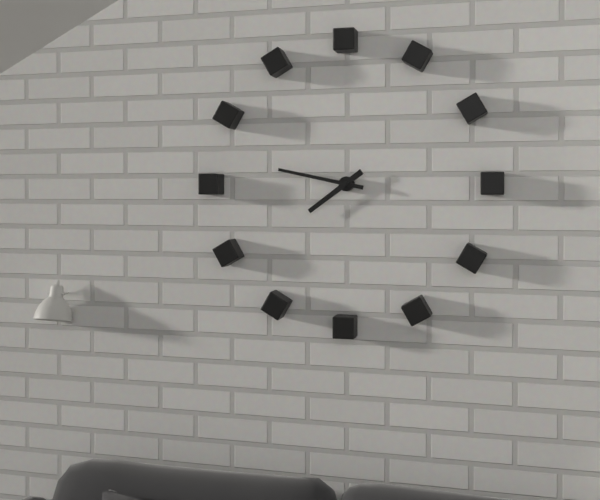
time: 7:47
